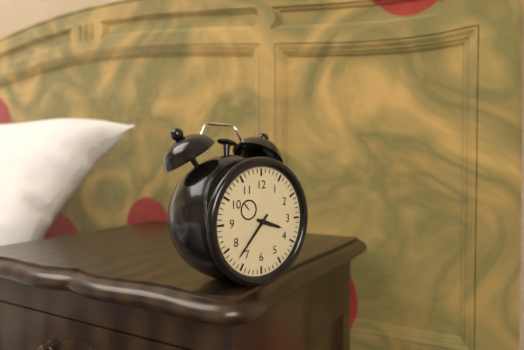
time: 3:37
